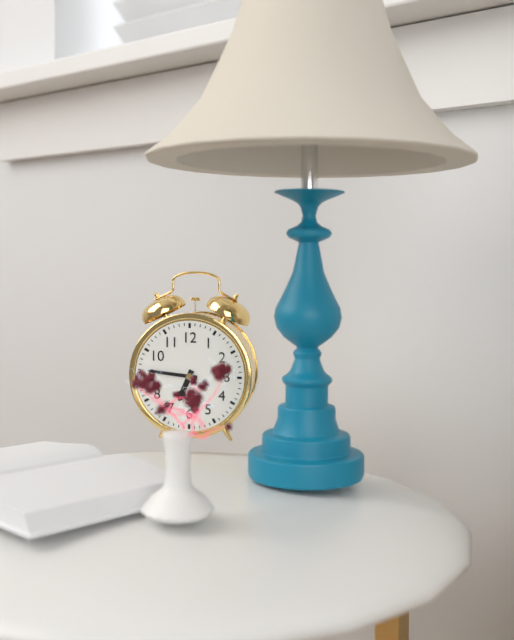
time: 6:46
